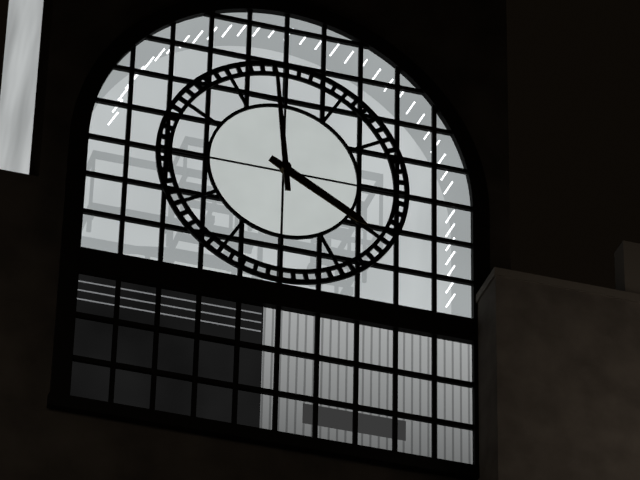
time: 3:59
